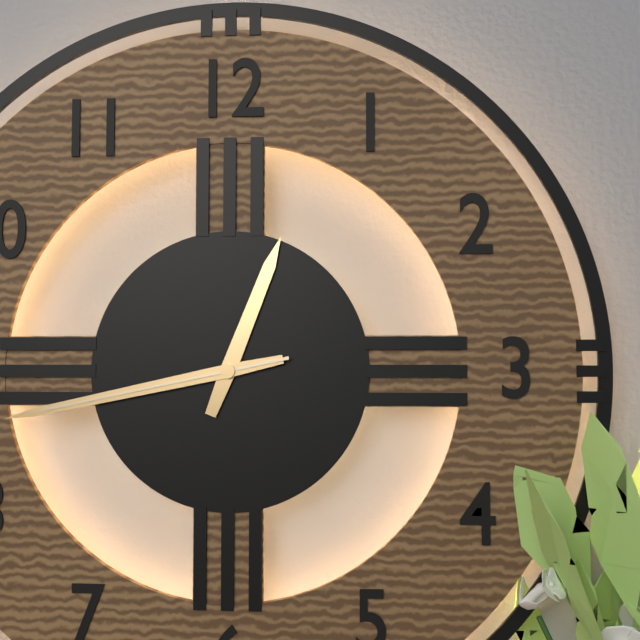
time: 12:43:43
